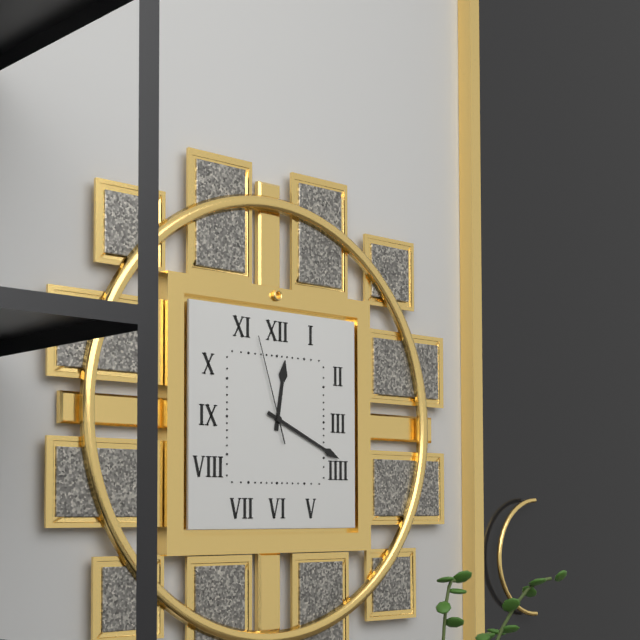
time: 12:19:57
